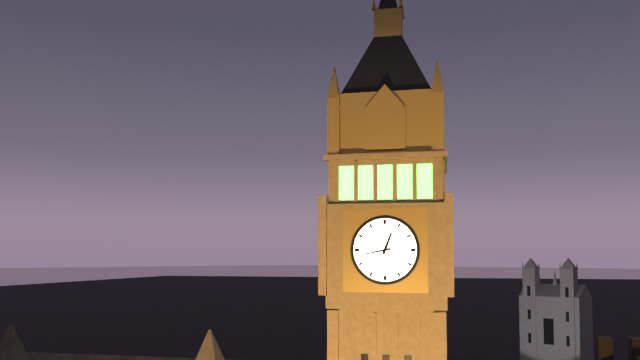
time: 12:43
